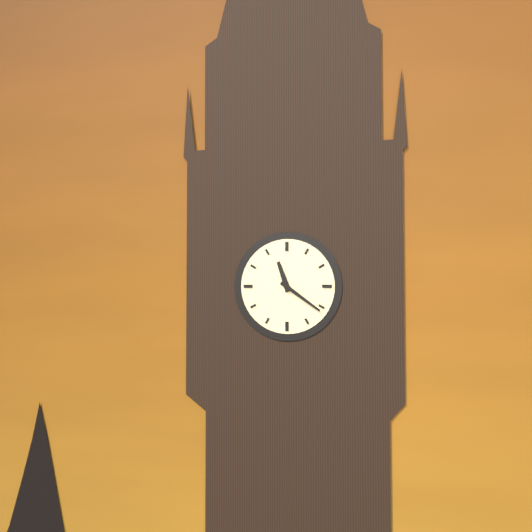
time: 11:21
